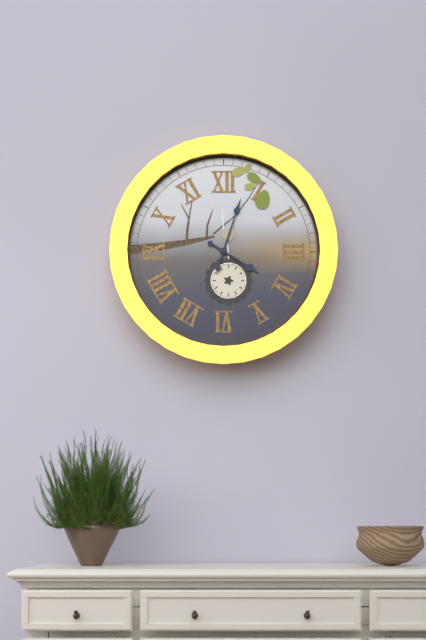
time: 4:03
